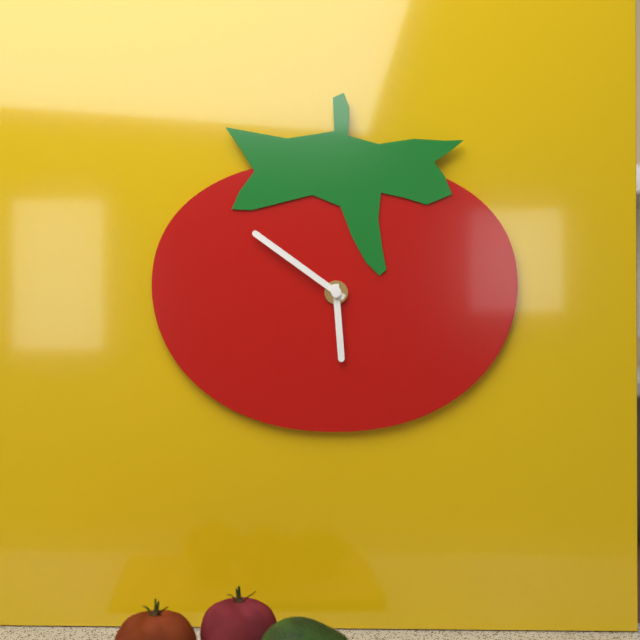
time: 5:51
